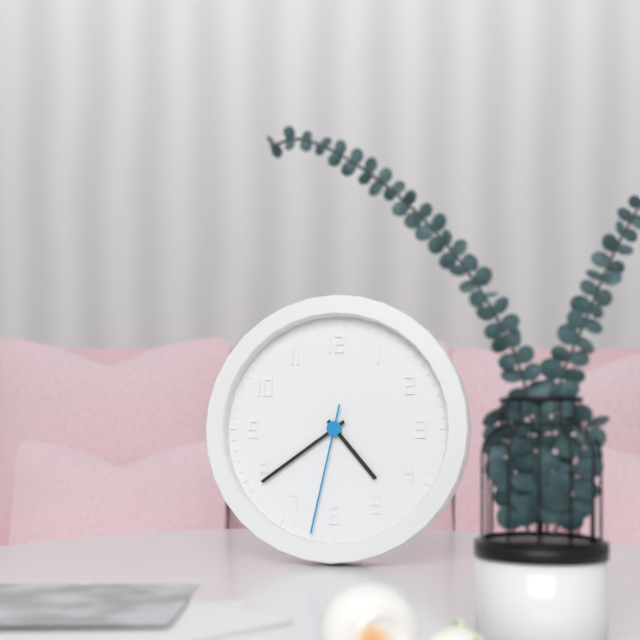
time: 4:39:32
